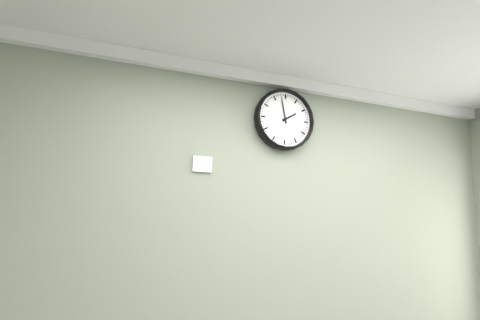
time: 1:58
